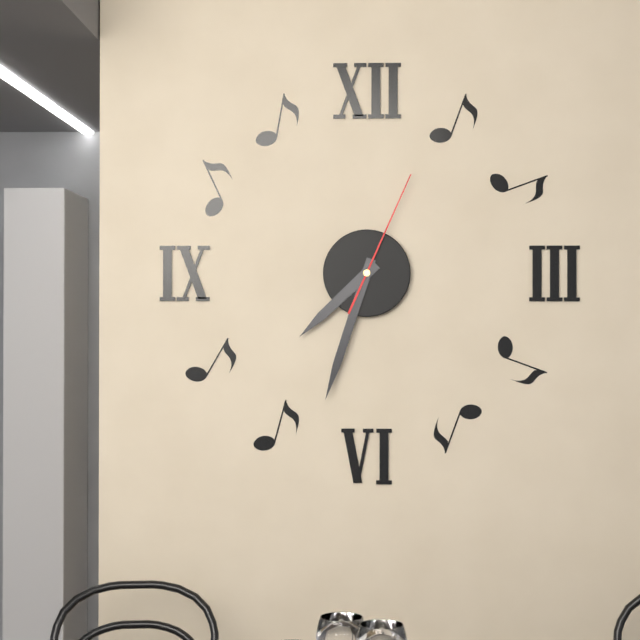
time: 7:33:04
